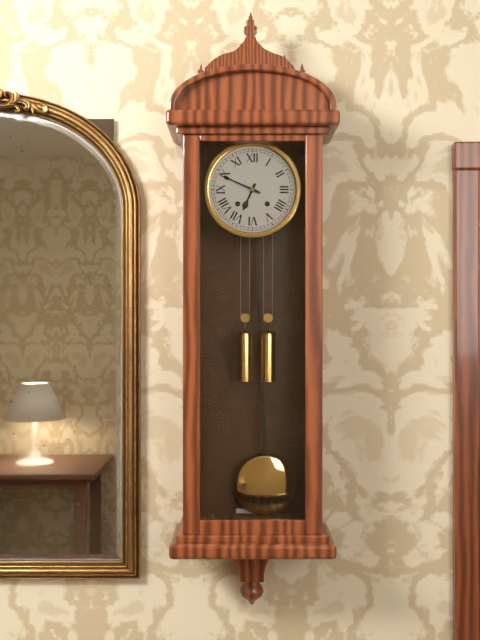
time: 6:49
